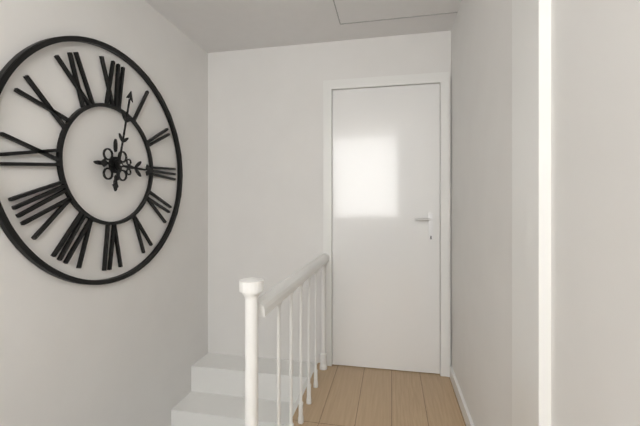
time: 3:02
